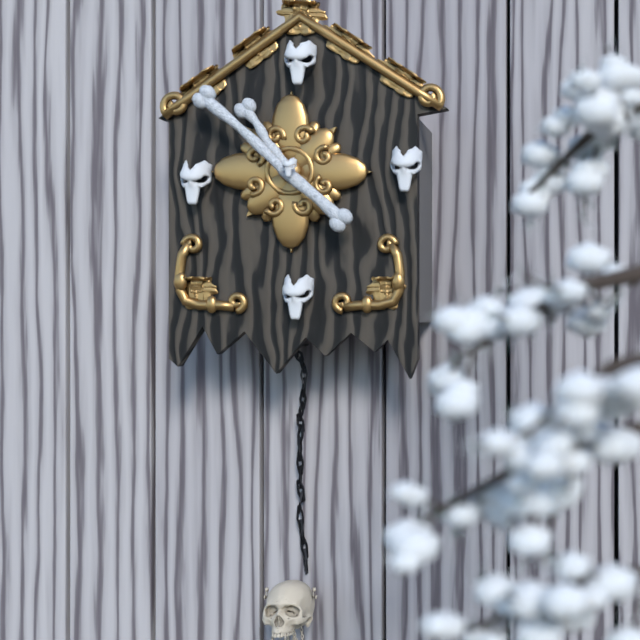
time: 10:52
